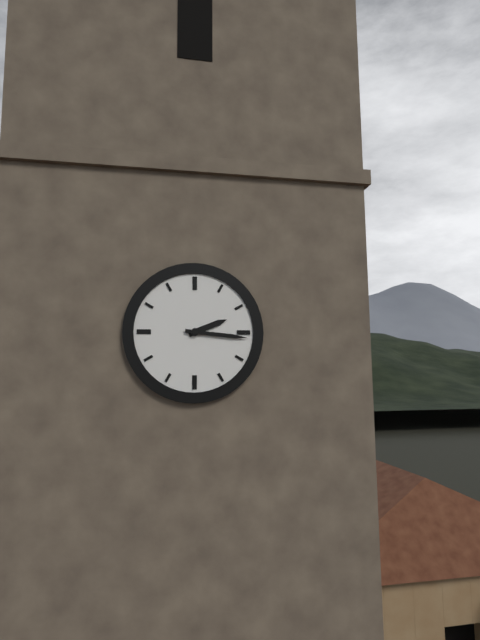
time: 2:16
